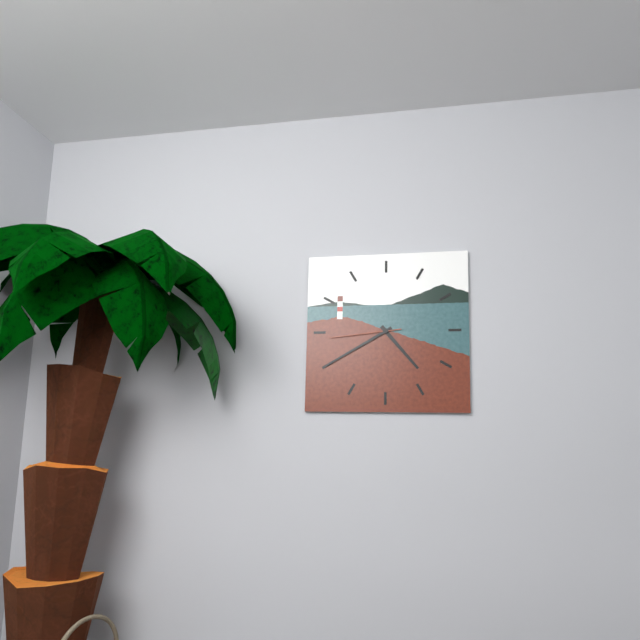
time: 4:40:44
